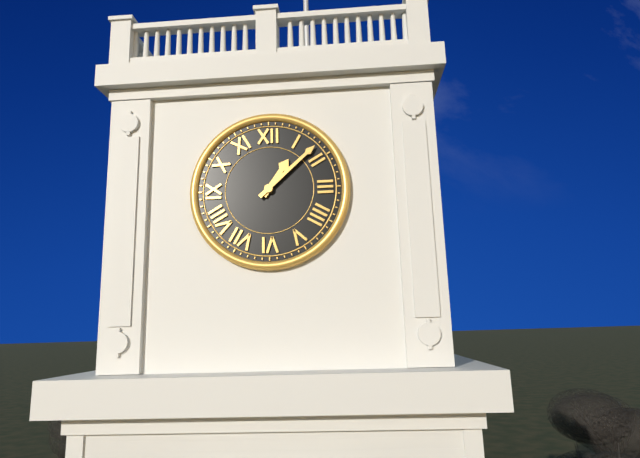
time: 1:08
